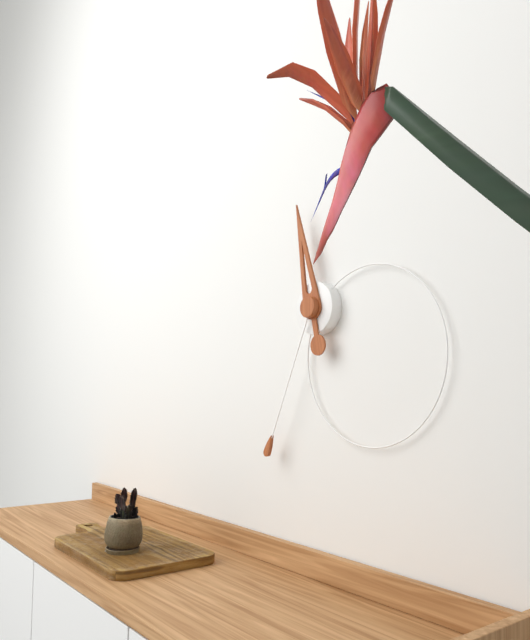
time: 11:34
